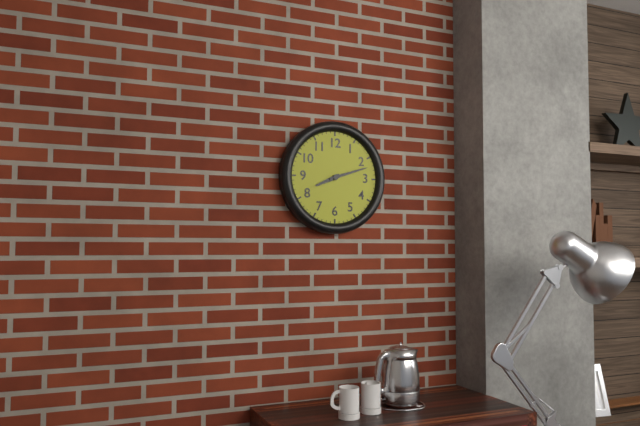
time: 8:12
